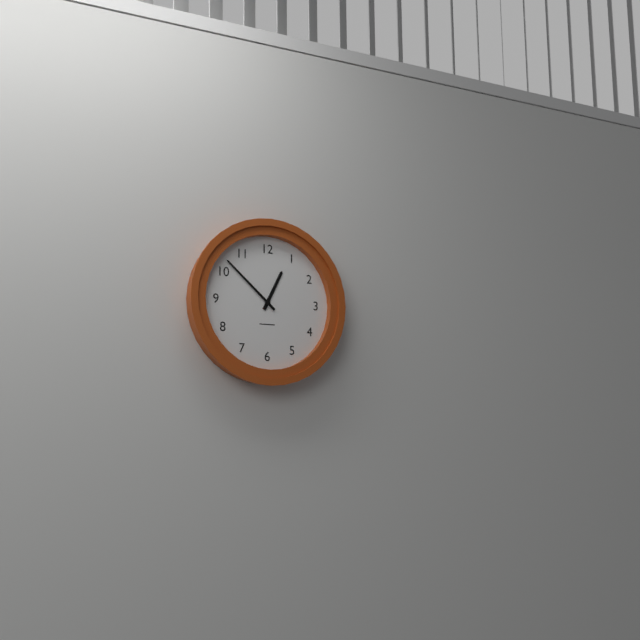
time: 12:52
